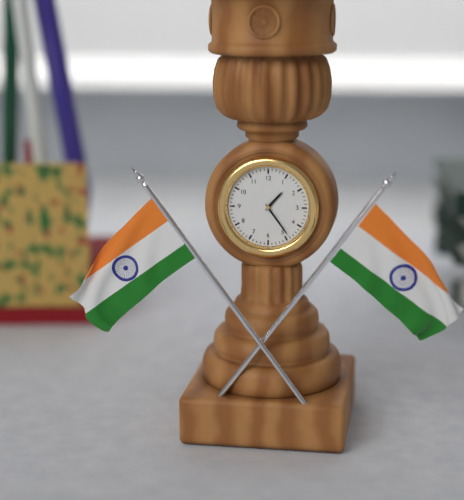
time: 1:24
